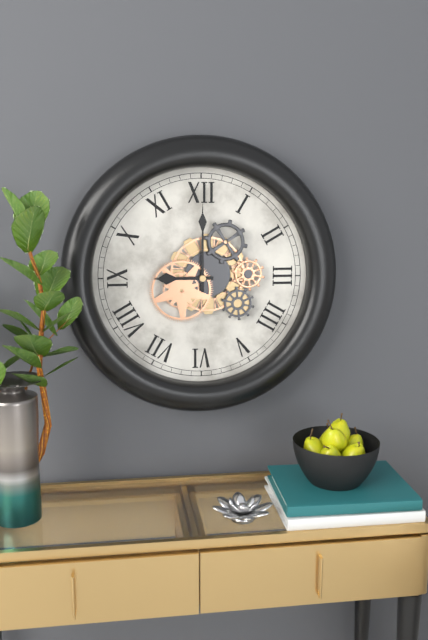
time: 9:00
